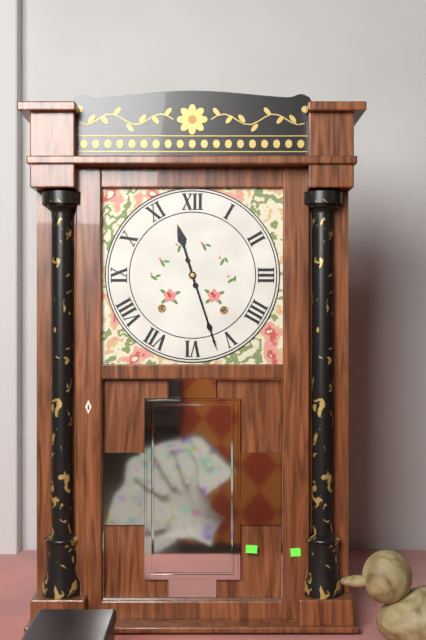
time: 11:27
